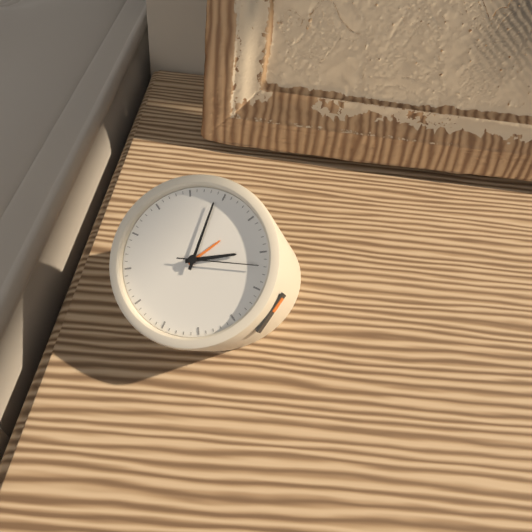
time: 1:59:12
